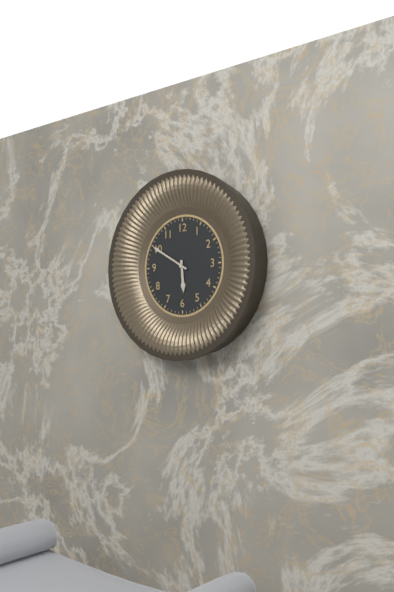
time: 5:50
